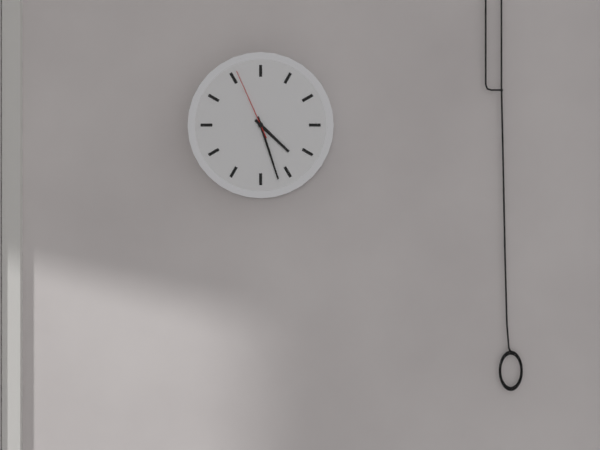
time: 4:27:56
